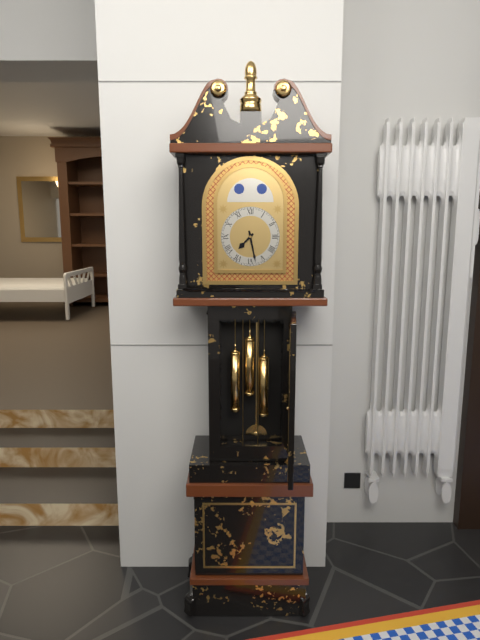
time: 7:28
